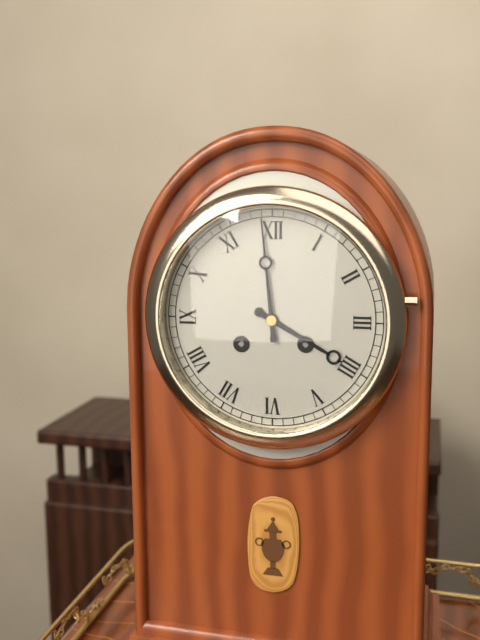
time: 3:59
